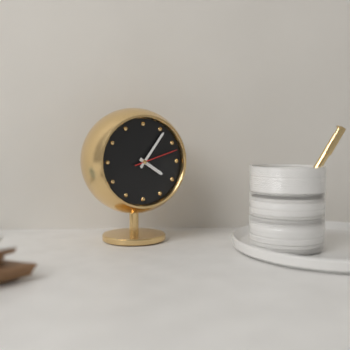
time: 4:06
